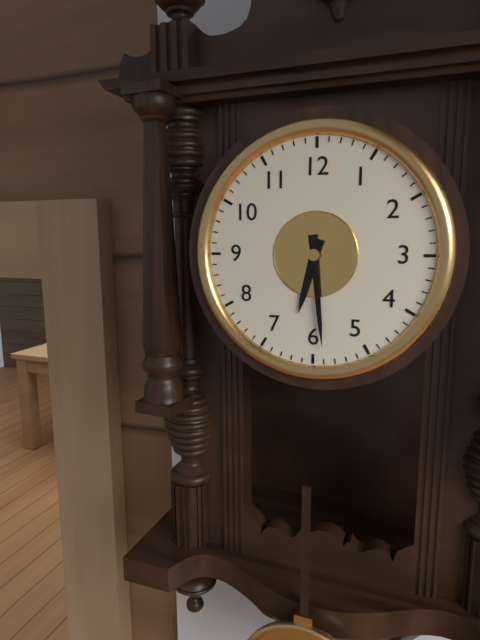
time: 6:29
